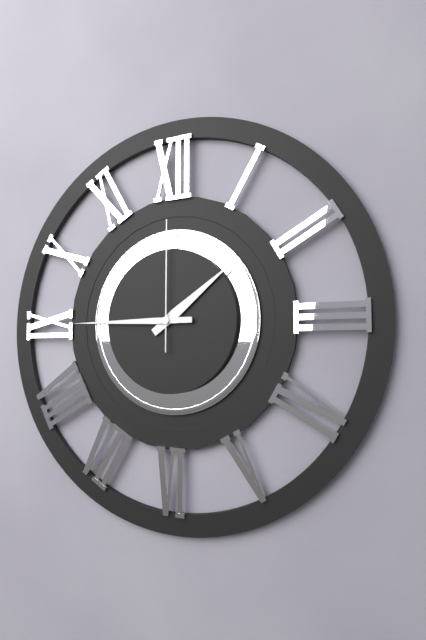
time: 1:45:00
